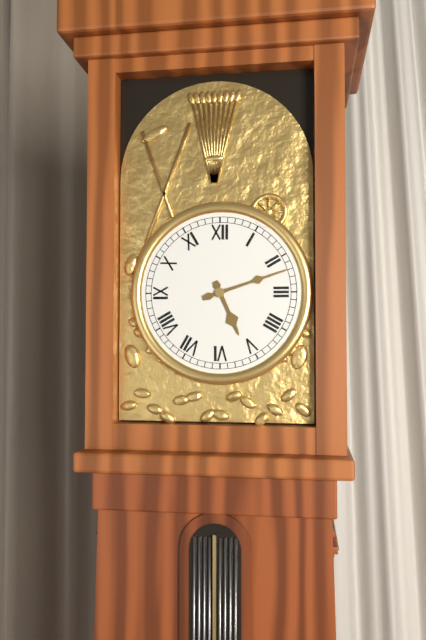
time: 5:12
